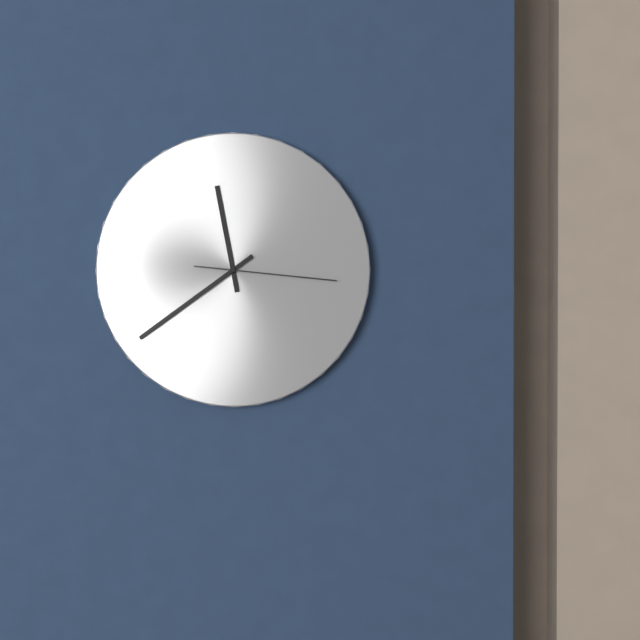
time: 11:39:16
